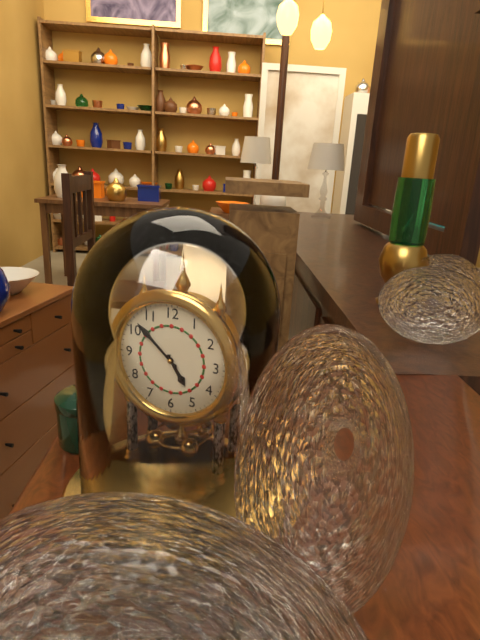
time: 4:52
